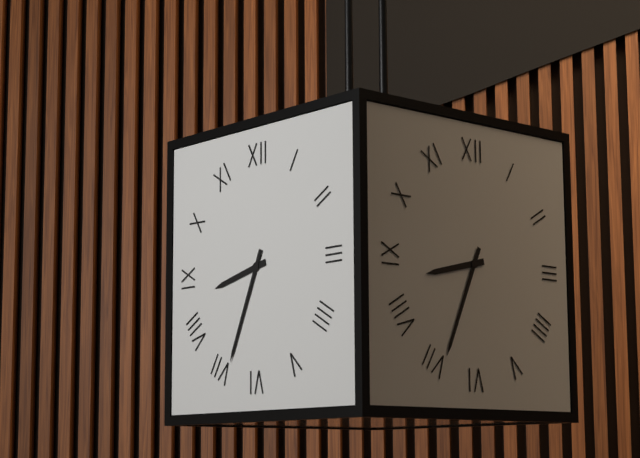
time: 8:34
